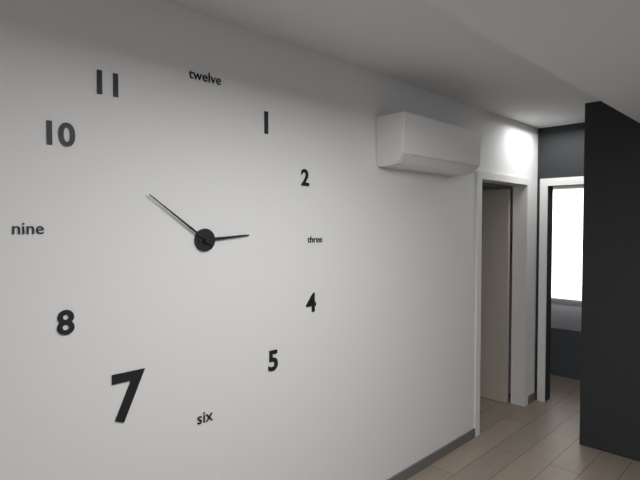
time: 2:51
